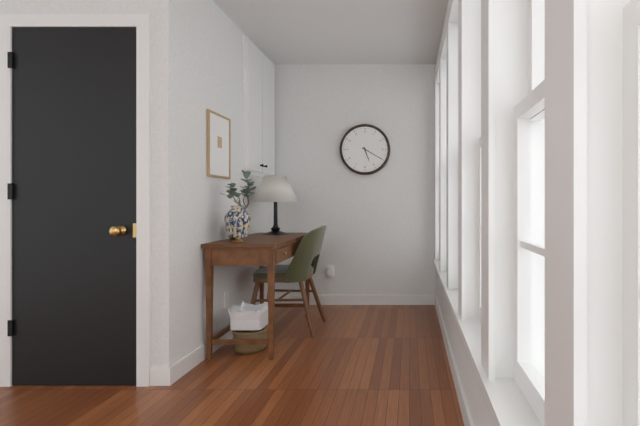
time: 5:20
